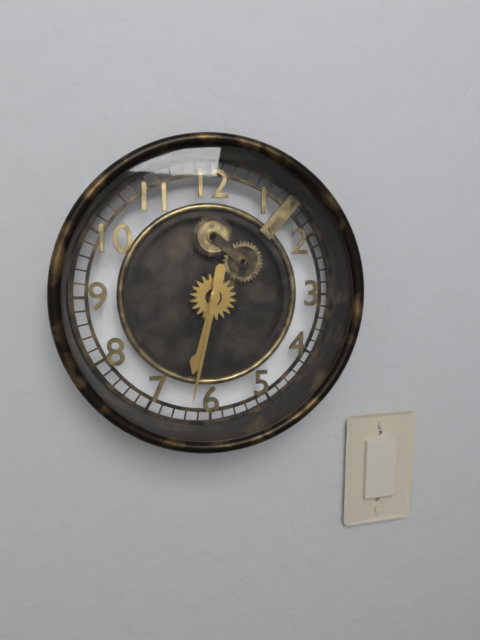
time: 6:32
